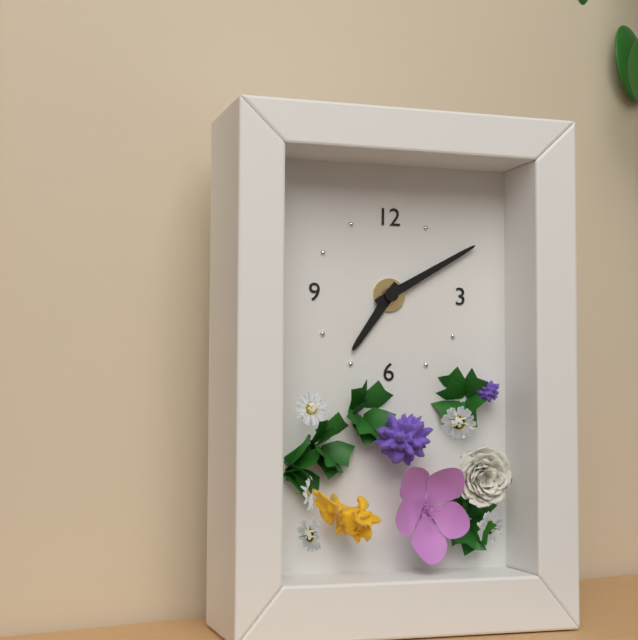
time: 7:10
